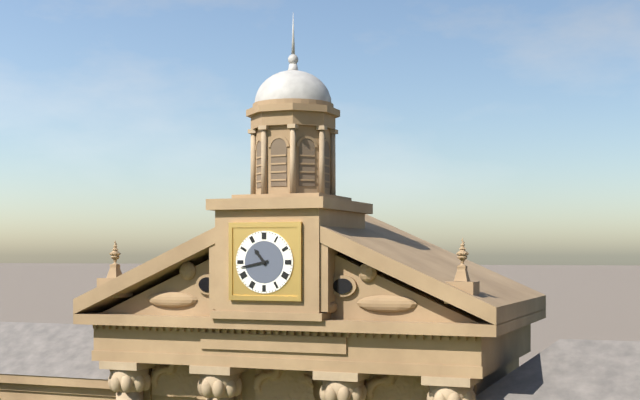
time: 10:43
